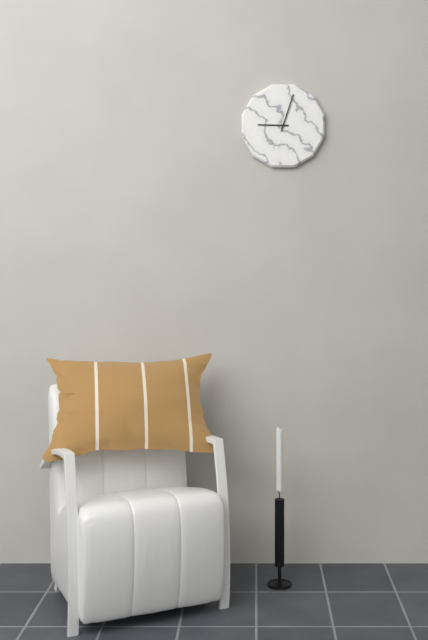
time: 9:03
